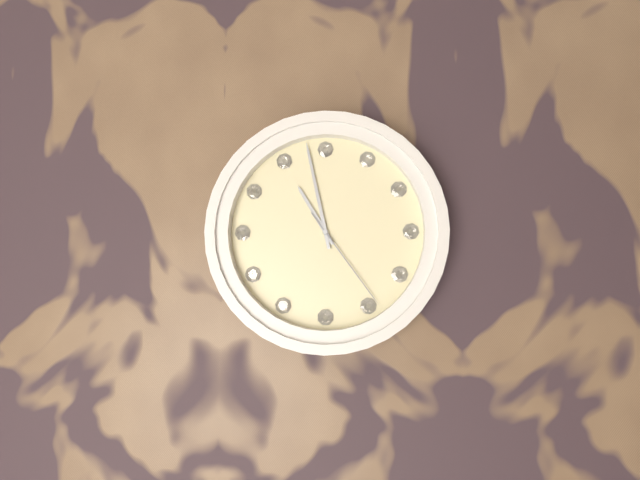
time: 10:58:24
